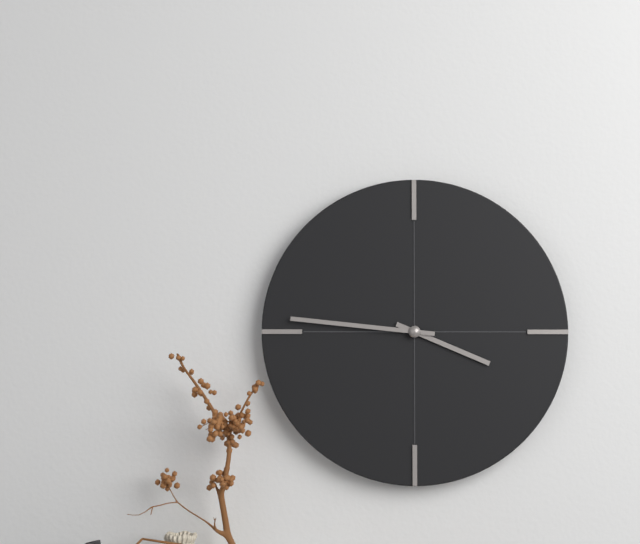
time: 3:46
